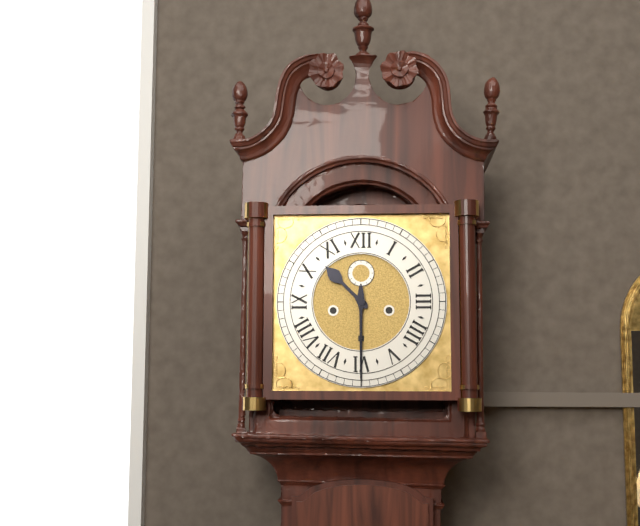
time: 10:30
